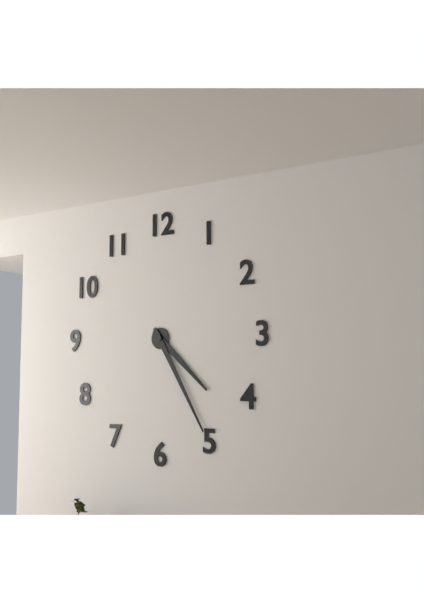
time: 4:25
